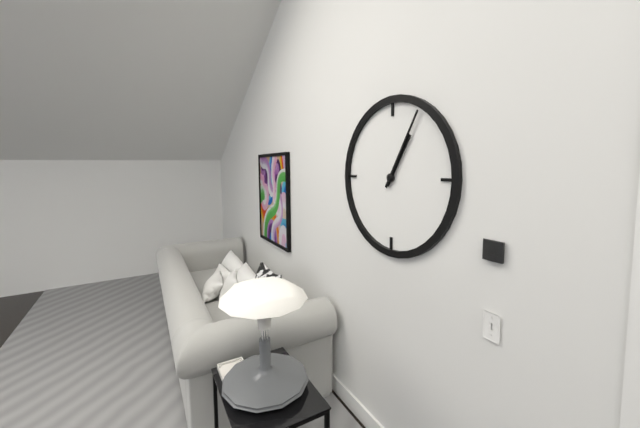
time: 1:05
